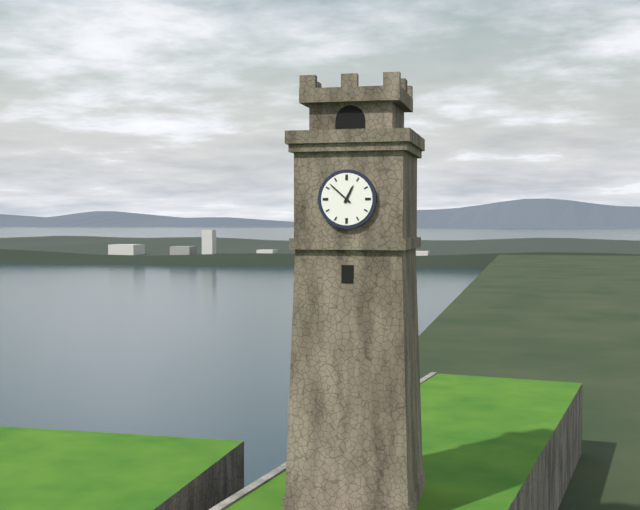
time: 12:52
